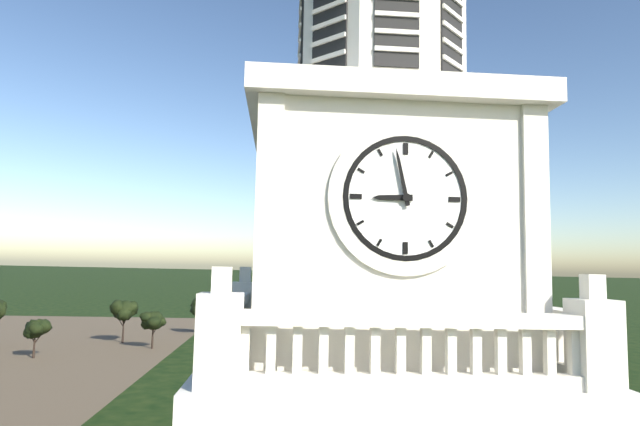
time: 8:58
